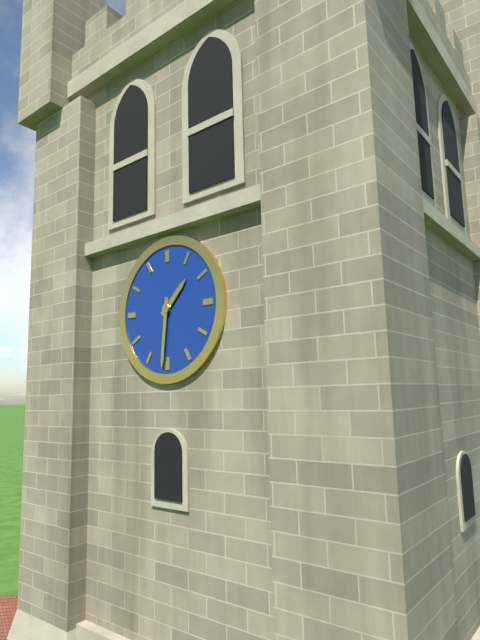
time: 1:31
